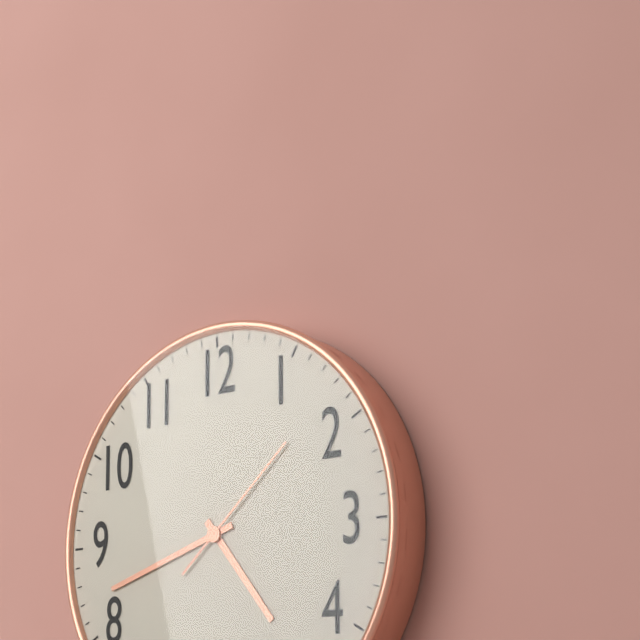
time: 4:42:08
